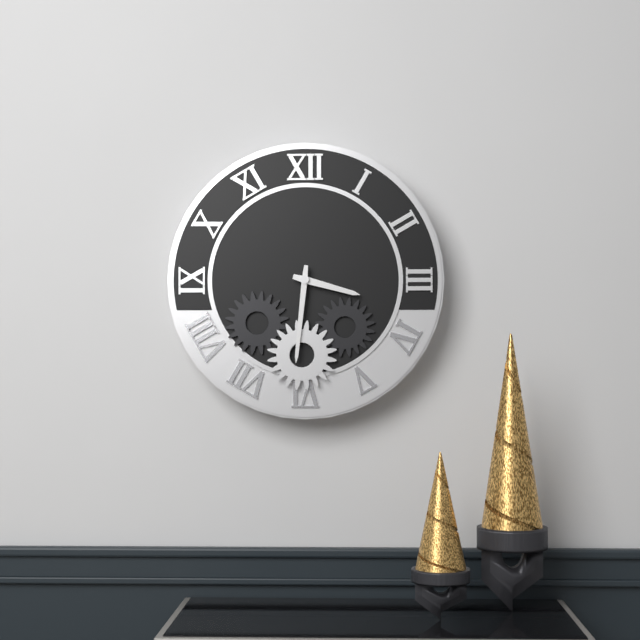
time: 3:31
